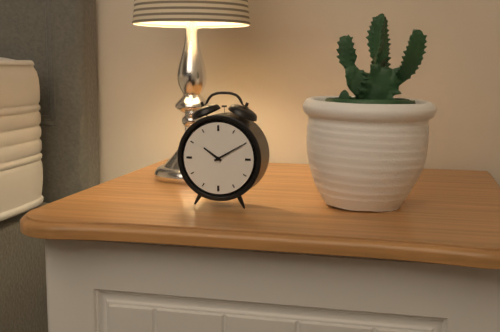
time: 10:10
